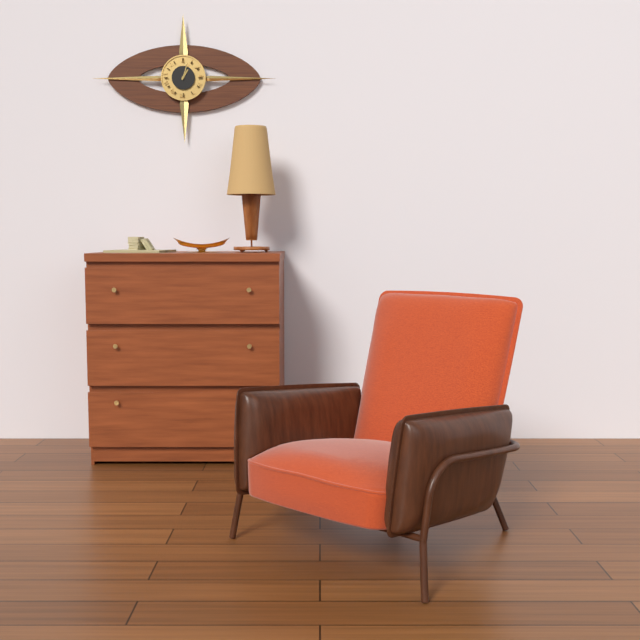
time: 1:03
